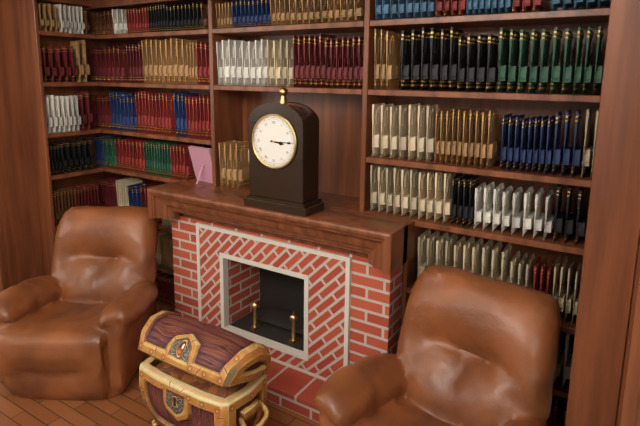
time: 3:15
